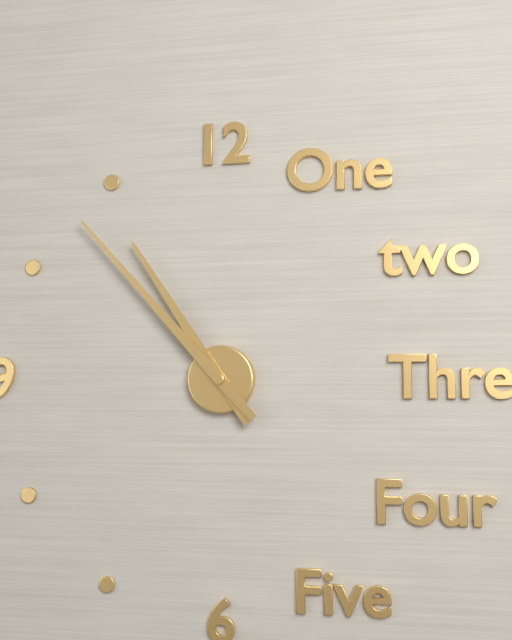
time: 10:53
